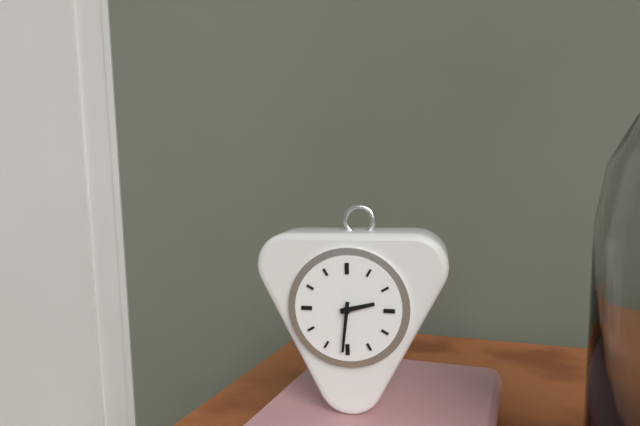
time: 2:31
